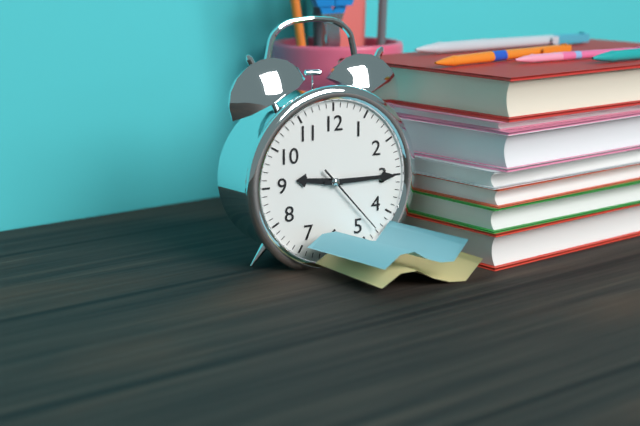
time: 9:15:23
